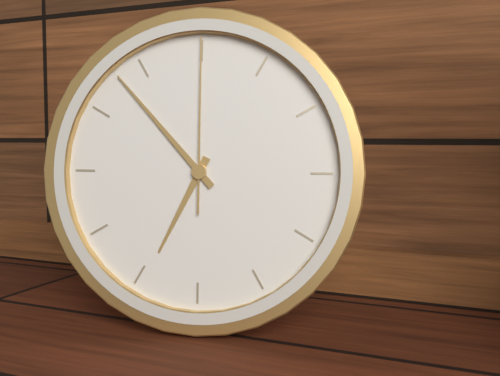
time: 6:53:00
